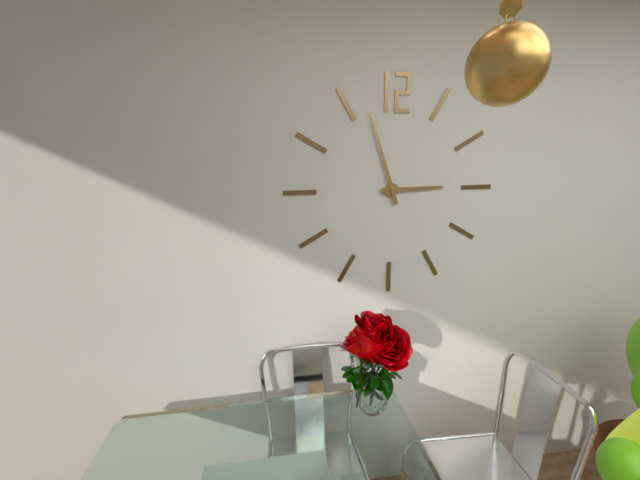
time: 2:57
